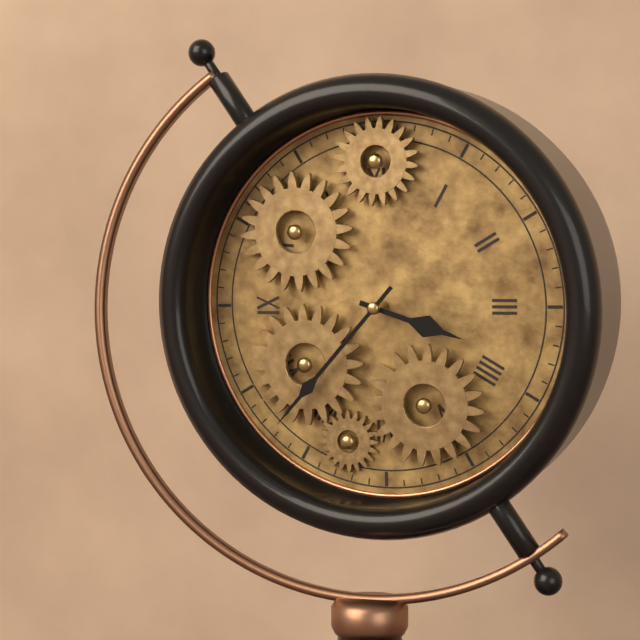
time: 3:37
